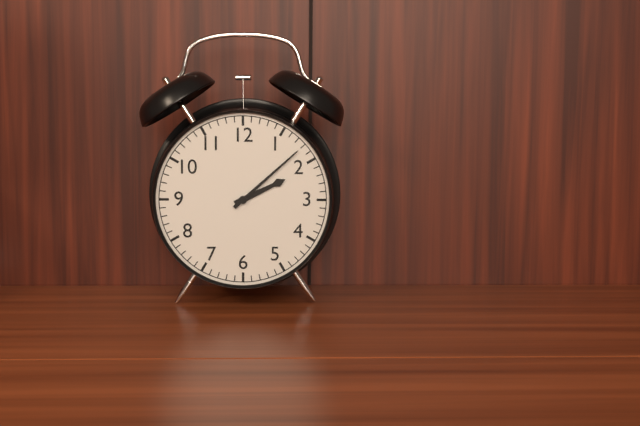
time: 2:08
